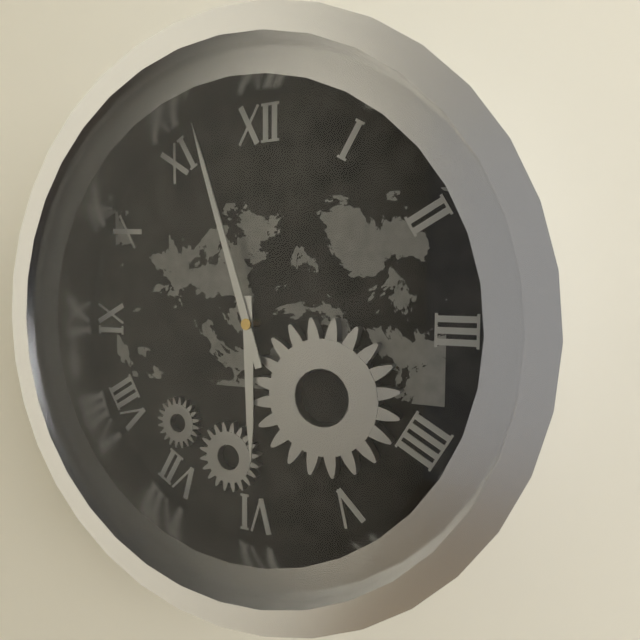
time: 5:57
